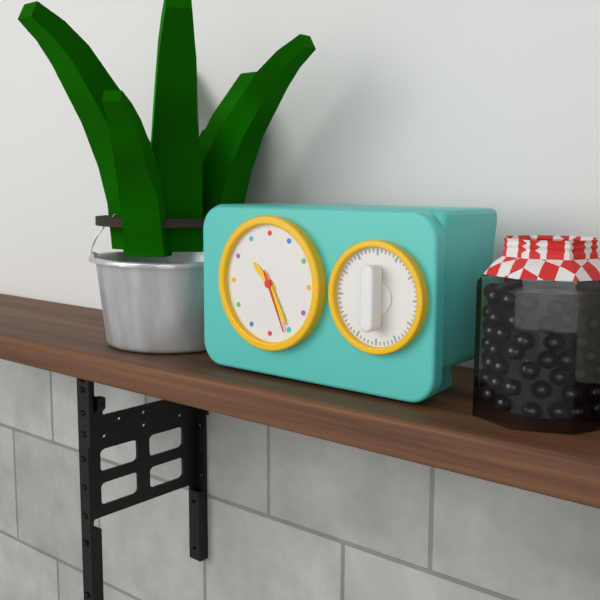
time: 10:25:26
